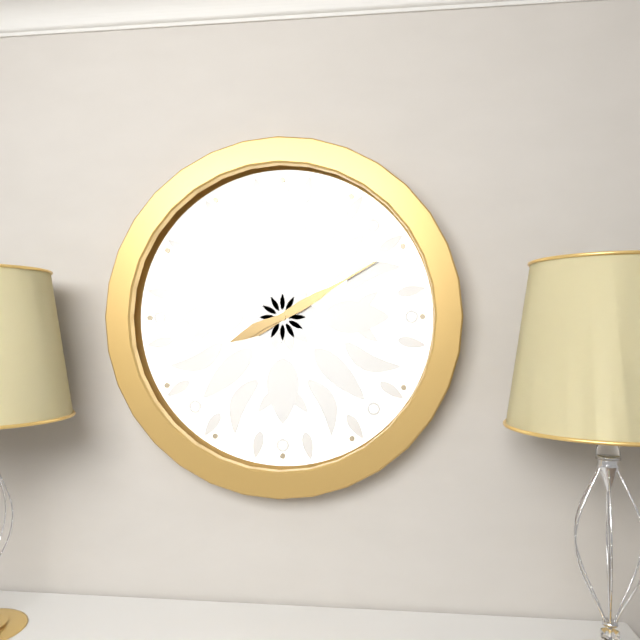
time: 8:10
